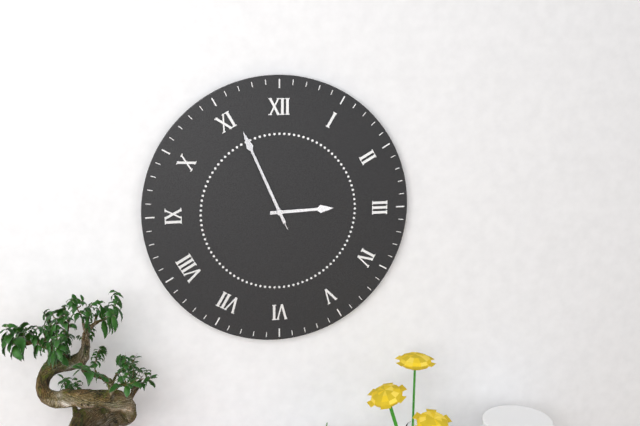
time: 2:56:56
